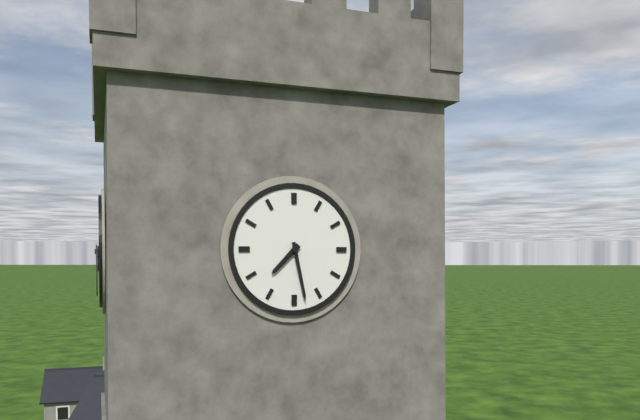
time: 7:28
